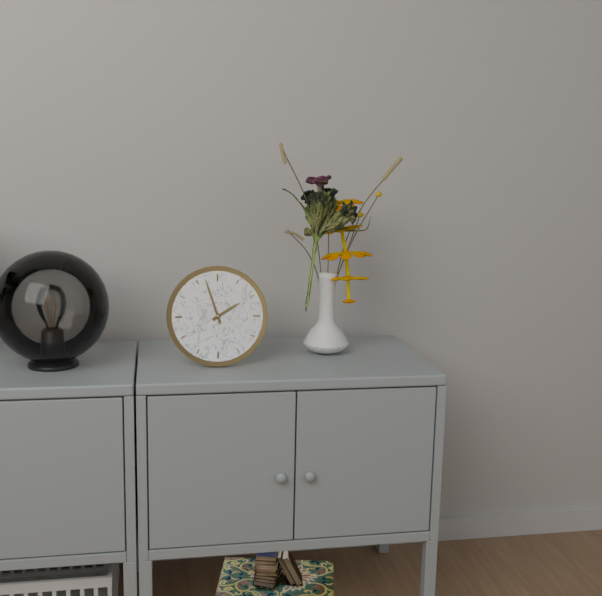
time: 1:57
